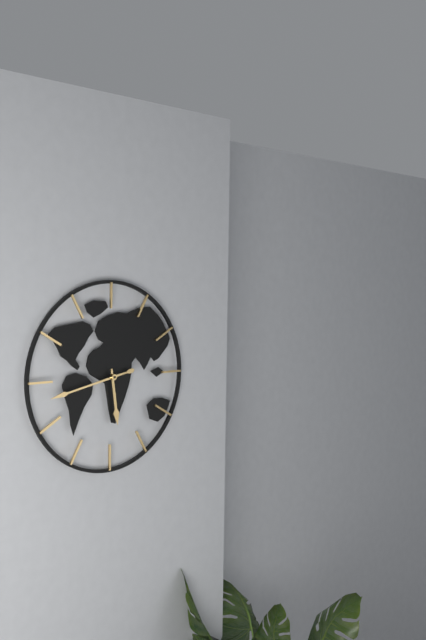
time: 5:43
